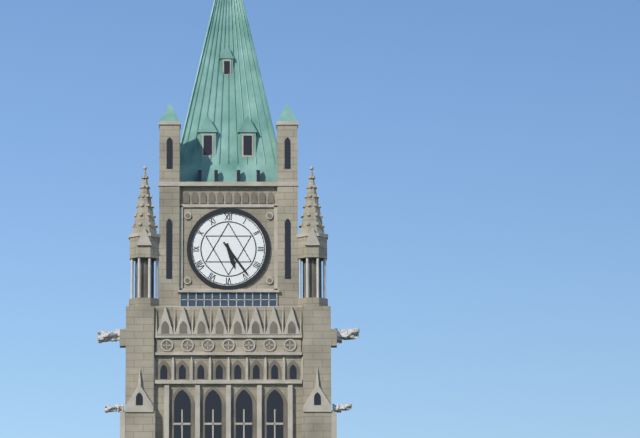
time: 5:24
